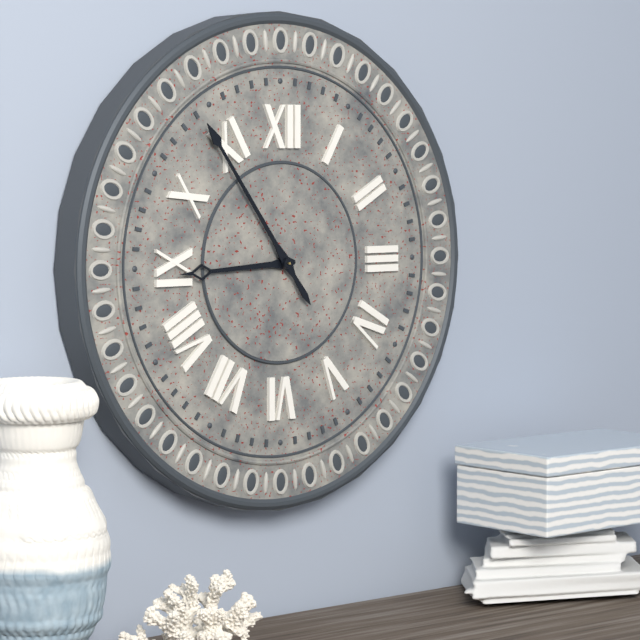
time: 8:54
